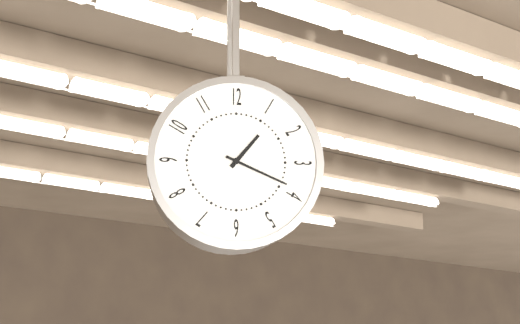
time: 1:19
